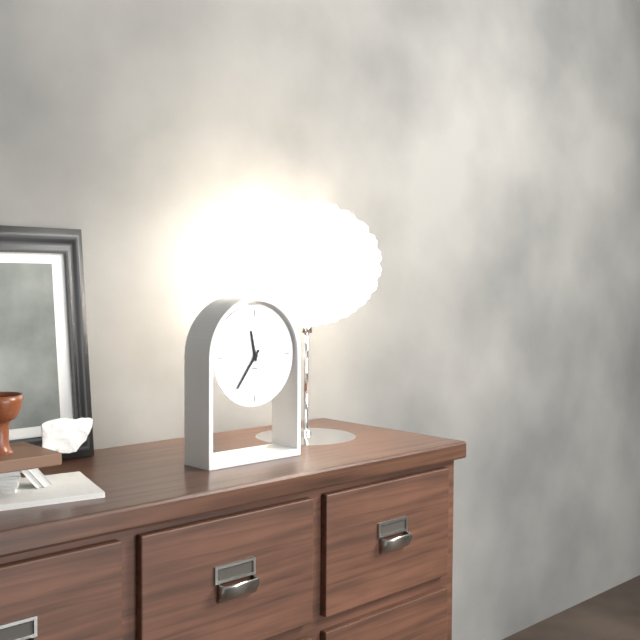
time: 11:36
